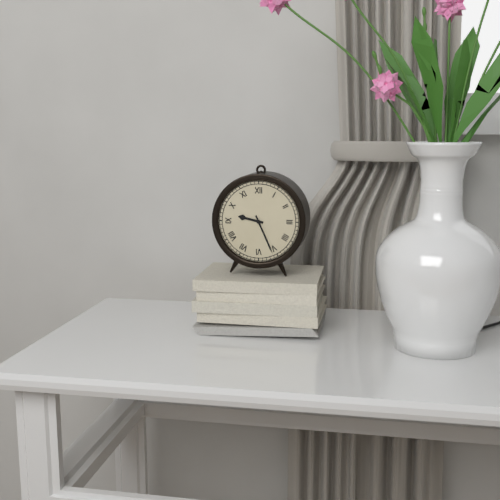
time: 9:26
